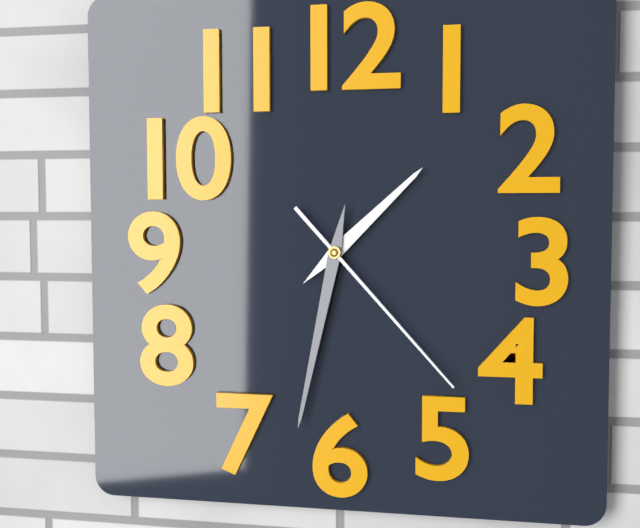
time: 1:32:23
